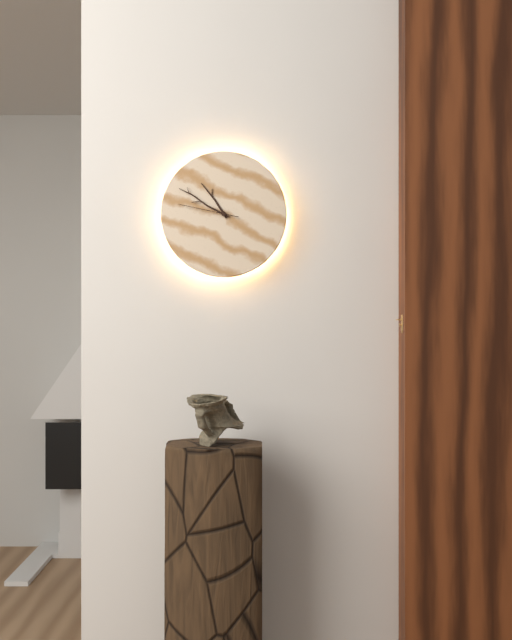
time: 10:50:47
